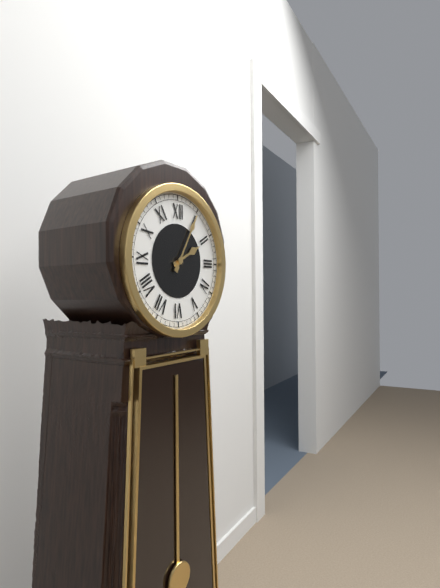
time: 2:05
